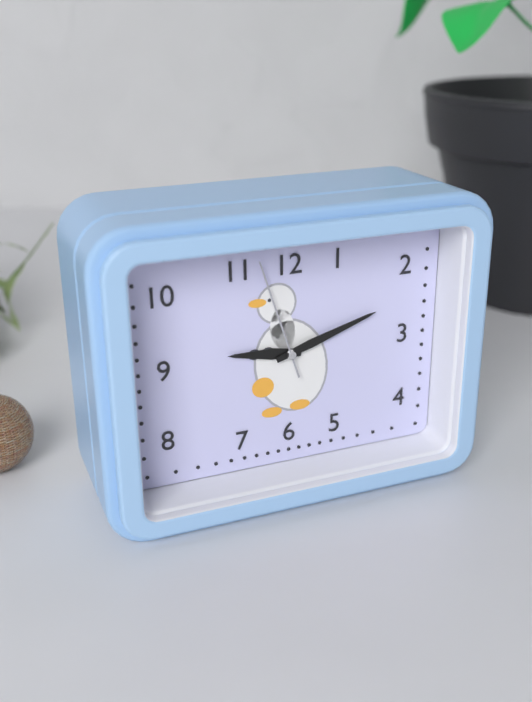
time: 9:12:57
